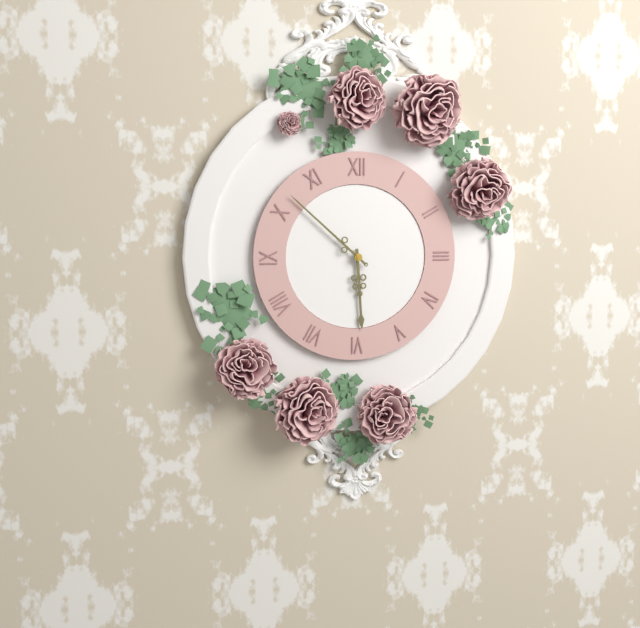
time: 5:52
